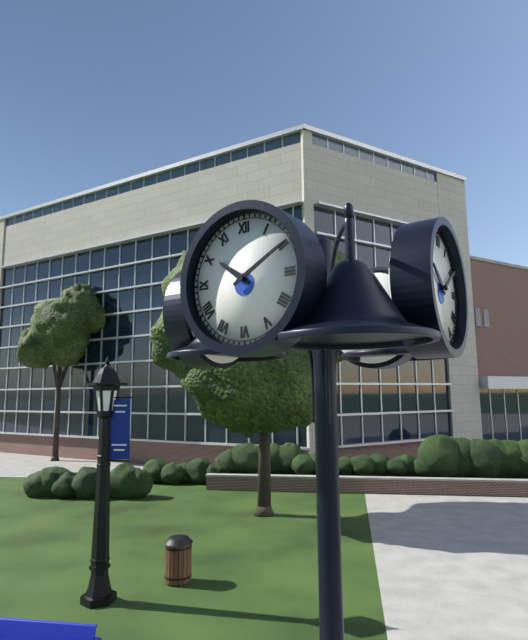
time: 10:10
